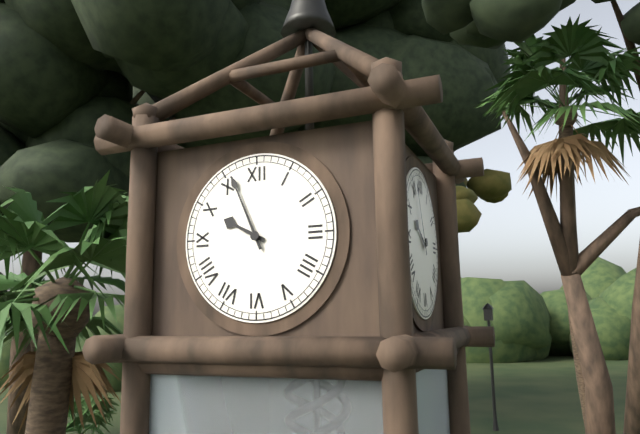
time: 9:56
